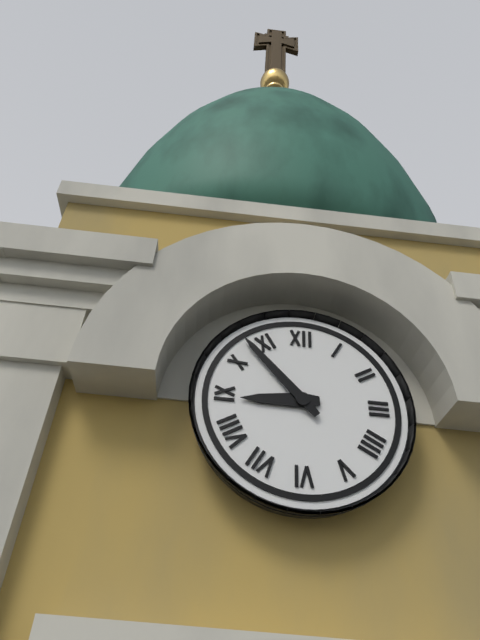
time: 8:53
